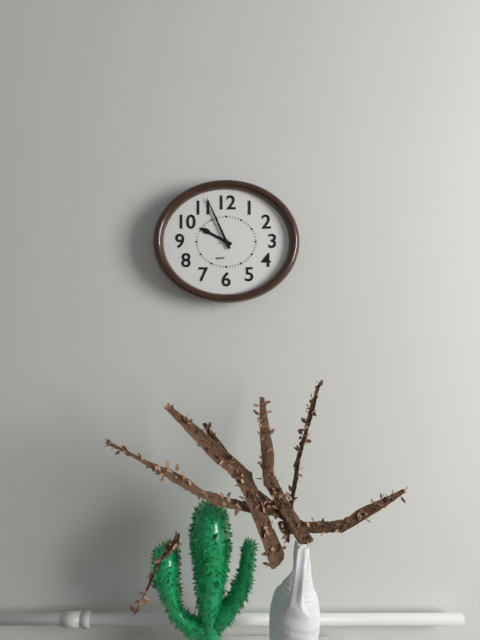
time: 9:56
